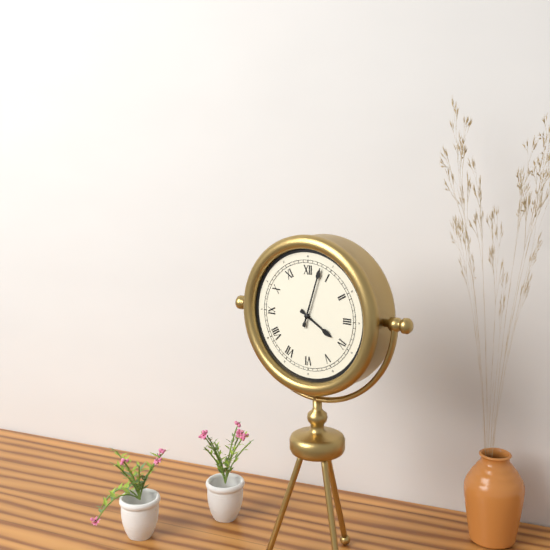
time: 4:03
